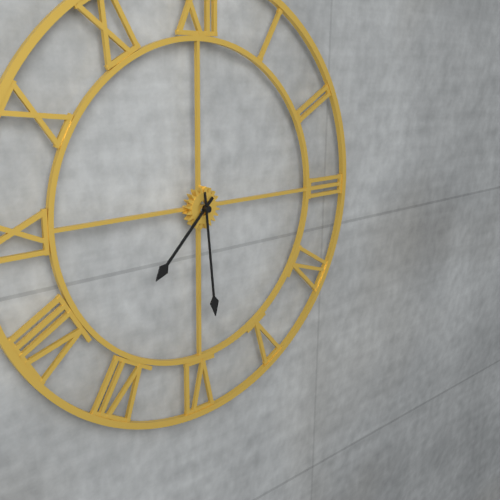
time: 7:29
